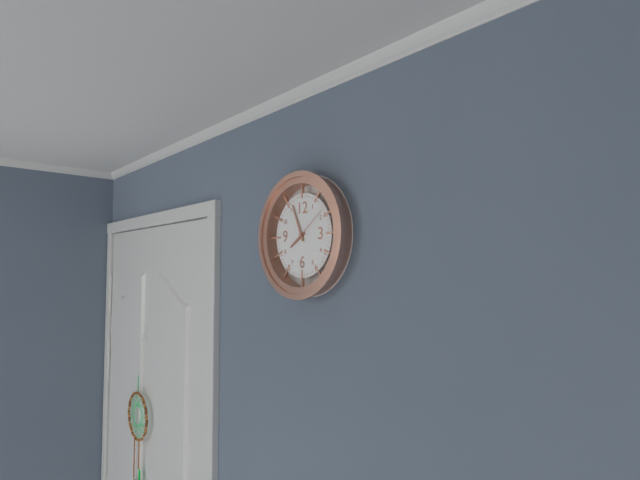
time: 7:56
